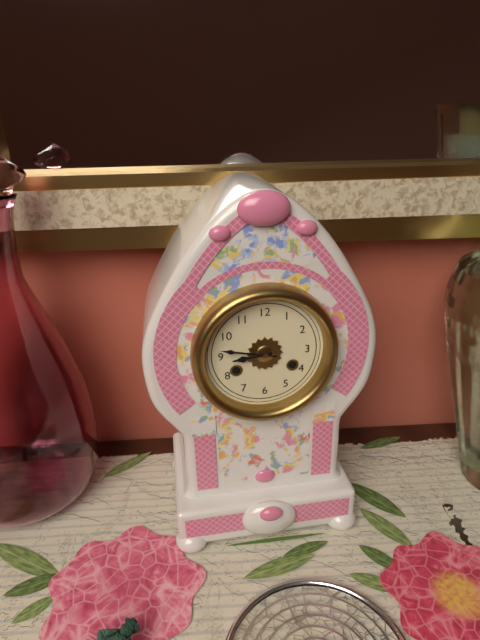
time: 8:47
